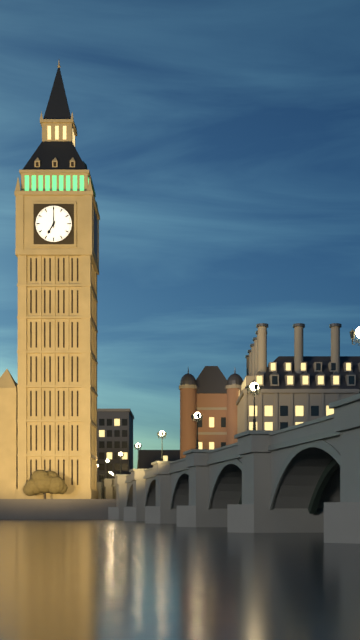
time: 7:00
